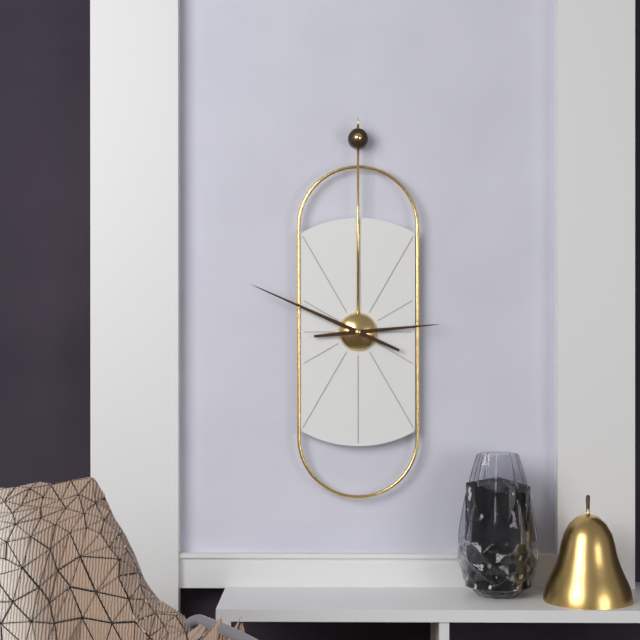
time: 2:49
